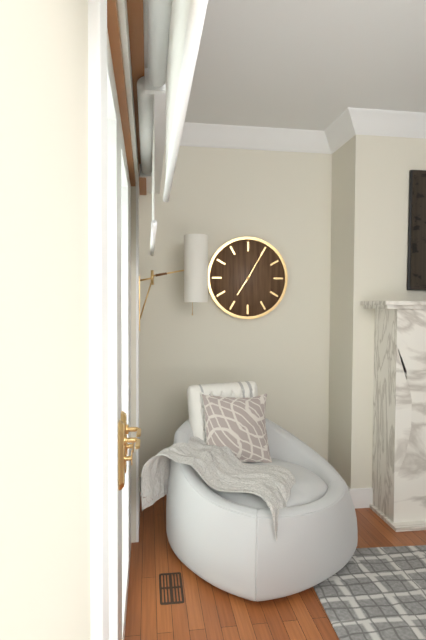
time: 7:05
